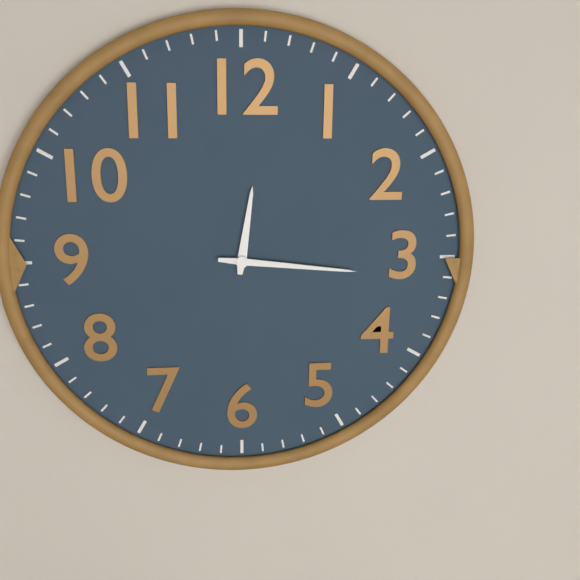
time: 12:16
